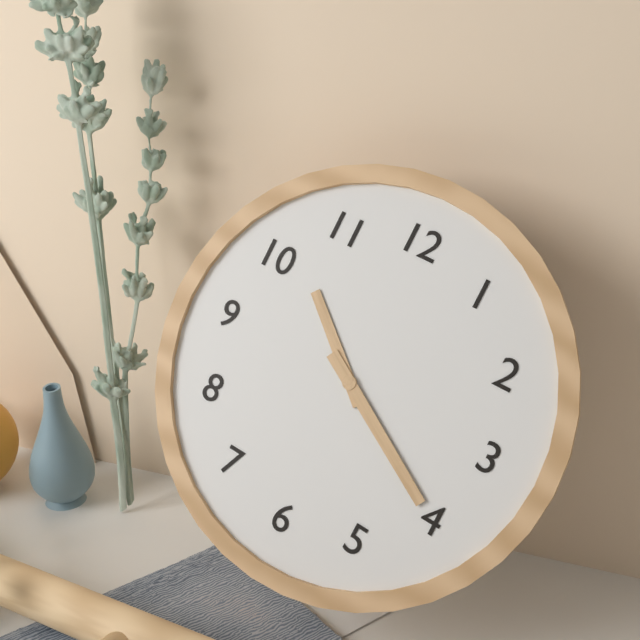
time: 10:20
